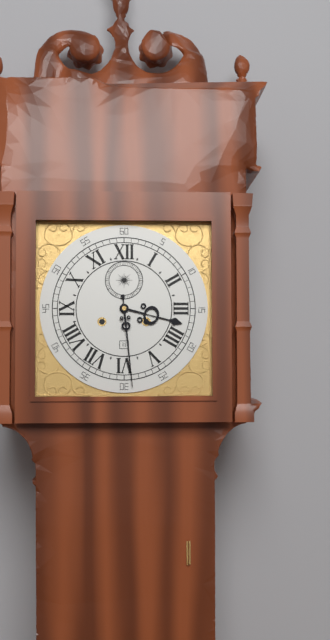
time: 3:29
